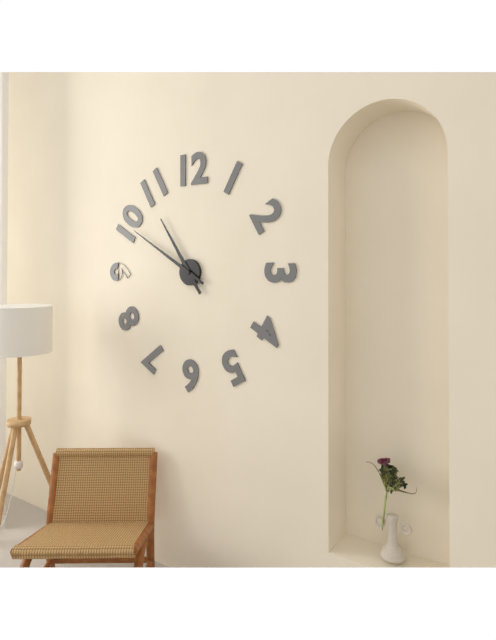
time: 10:50
